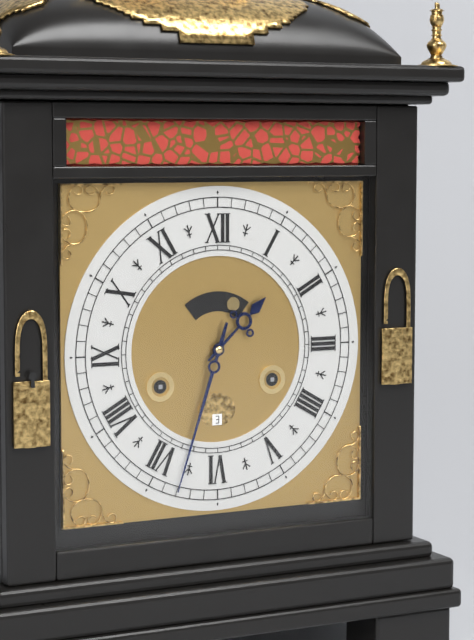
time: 1:33
